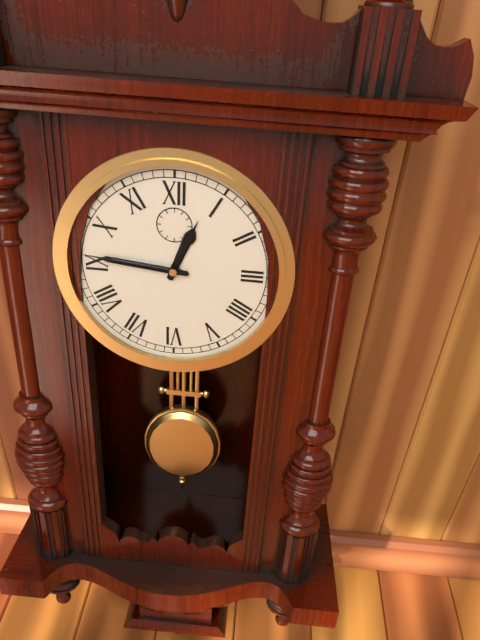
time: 12:46
